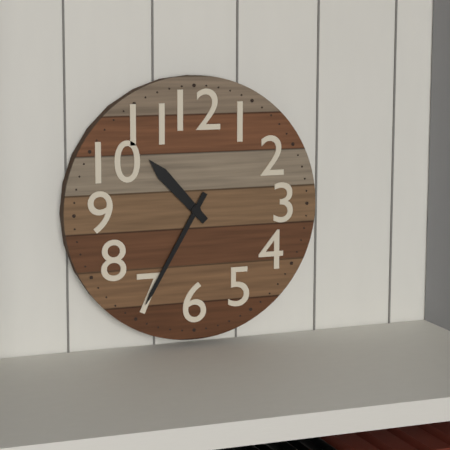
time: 10:35
